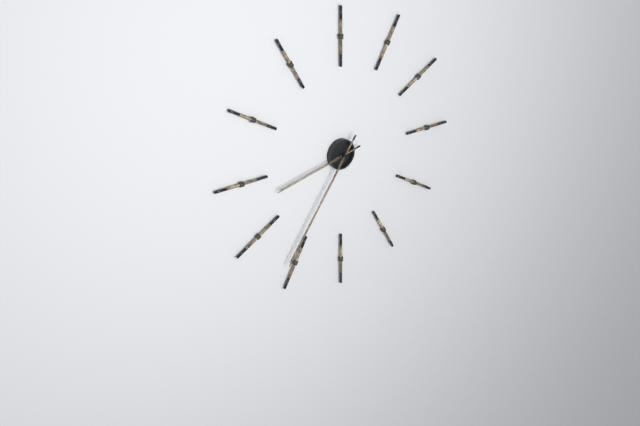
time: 8:36
